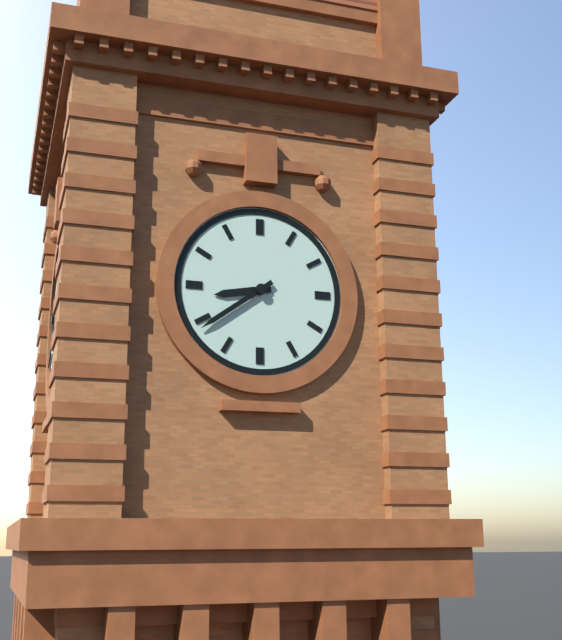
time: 8:39
